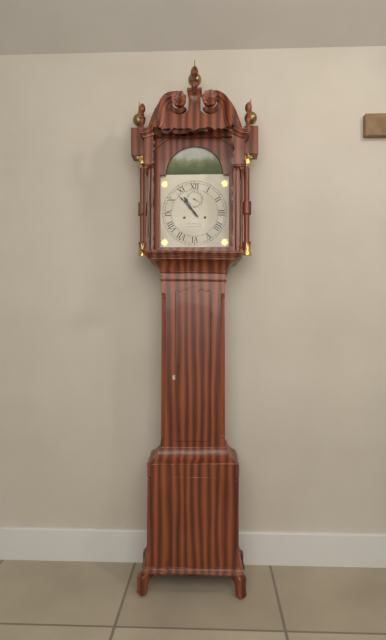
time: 10:53
